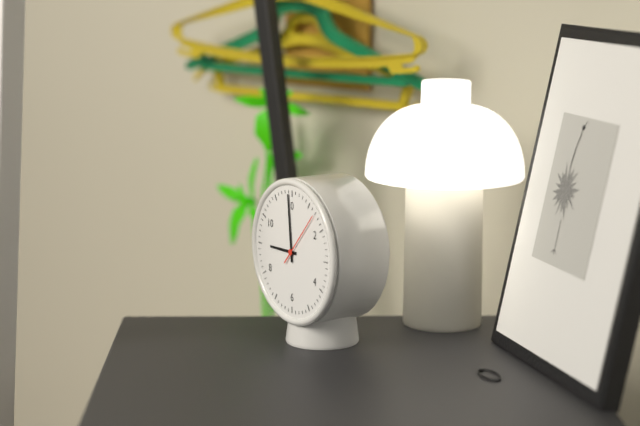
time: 8:59:07
